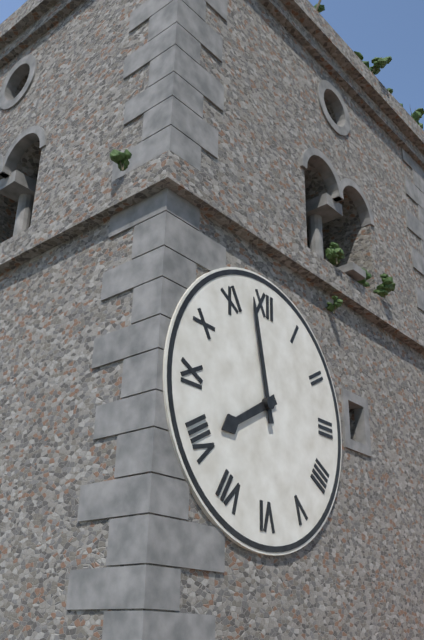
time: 7:58
